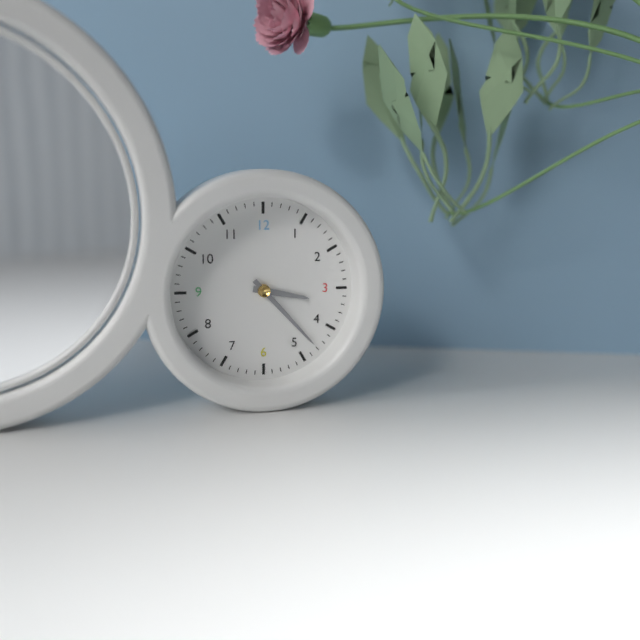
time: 3:23
